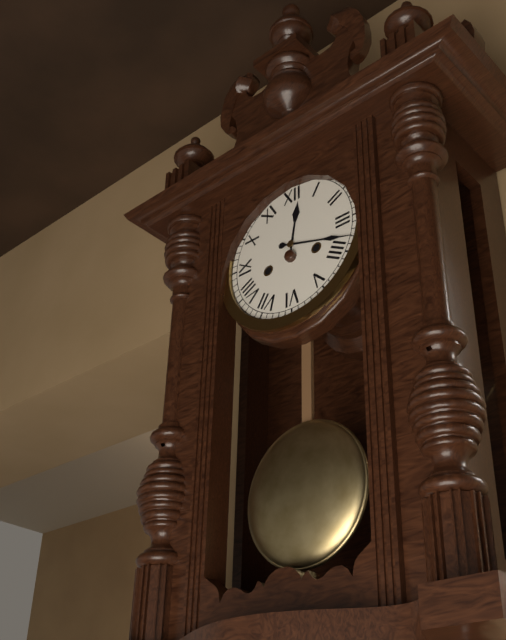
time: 12:18
